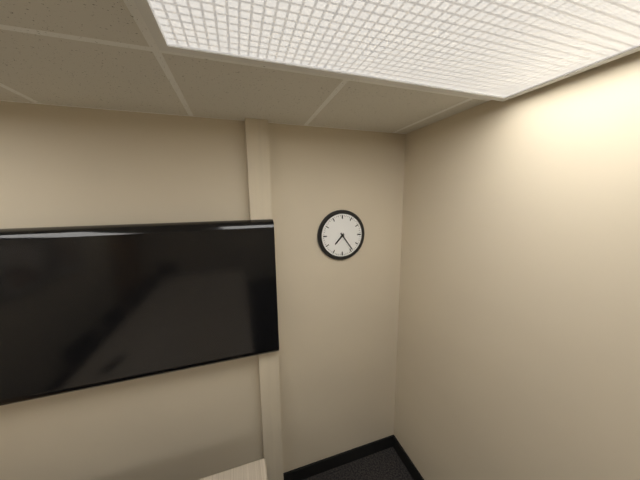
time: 7:24
